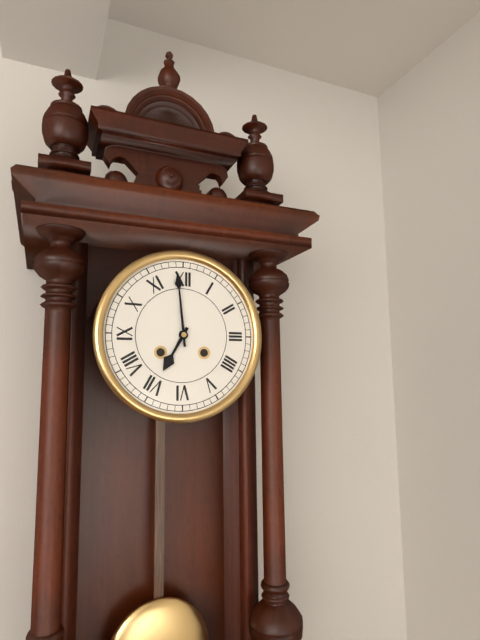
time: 6:59
